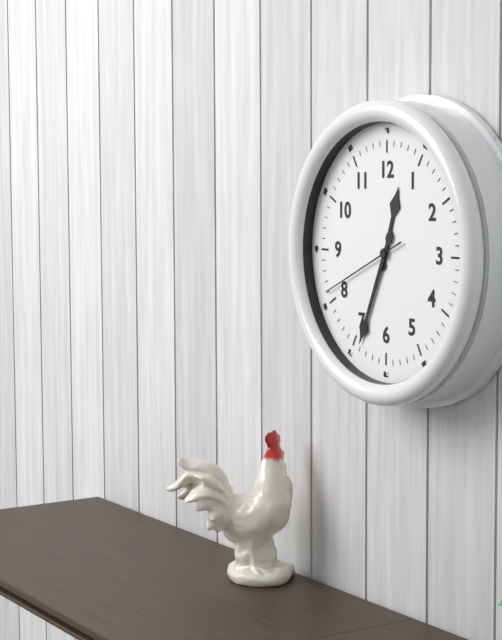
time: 12:34:41
